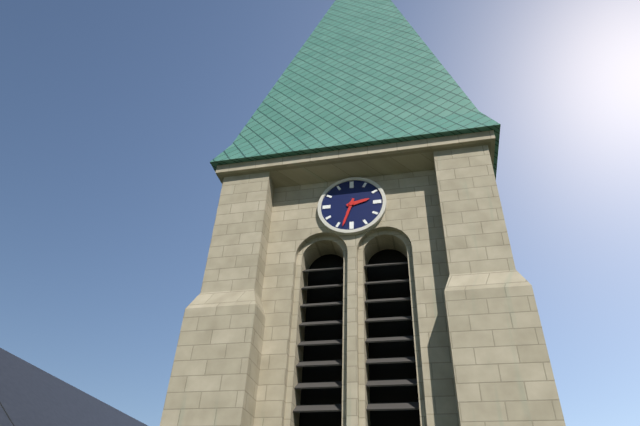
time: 2:33
